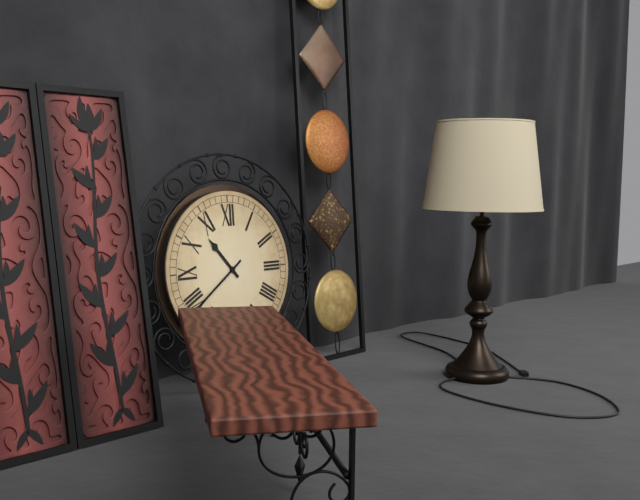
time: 10:39
